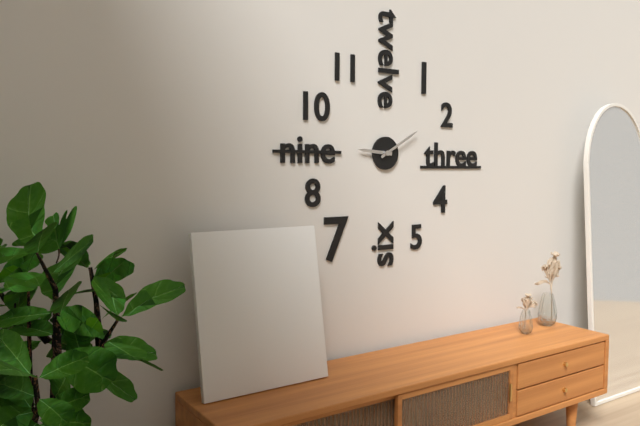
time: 9:10
